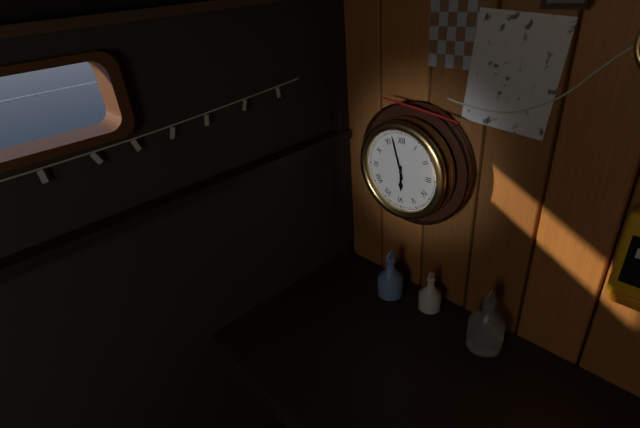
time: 5:57
